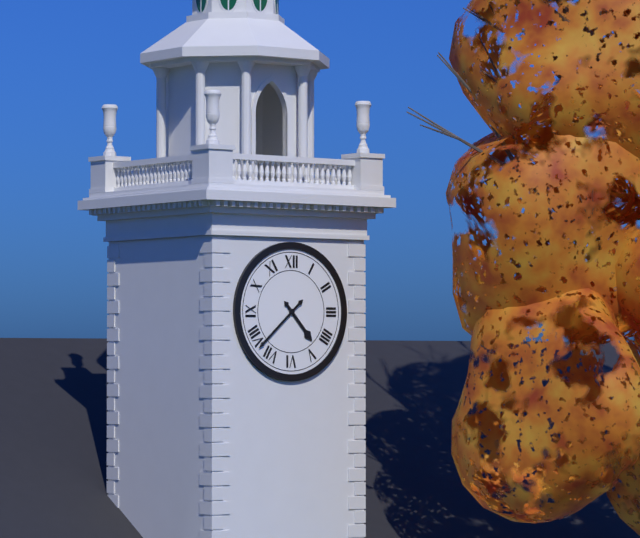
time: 4:38
